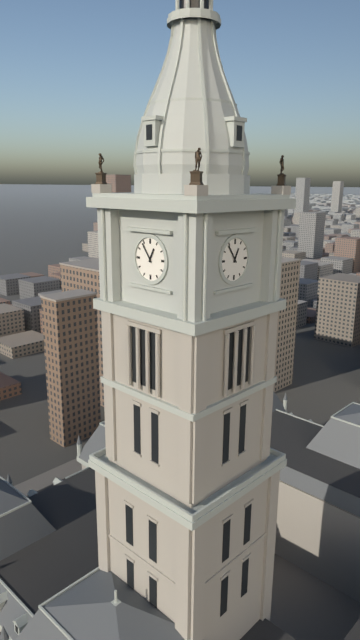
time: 12:54
